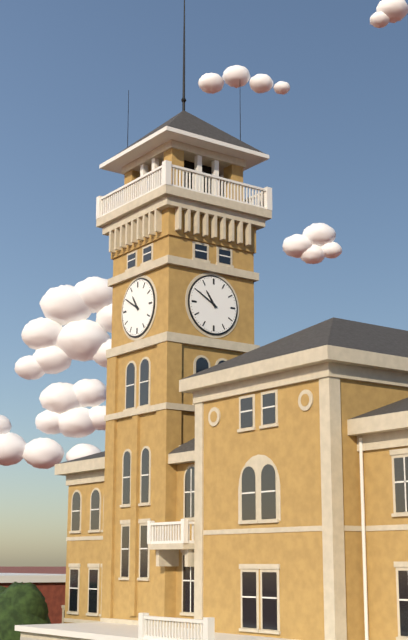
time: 10:50
